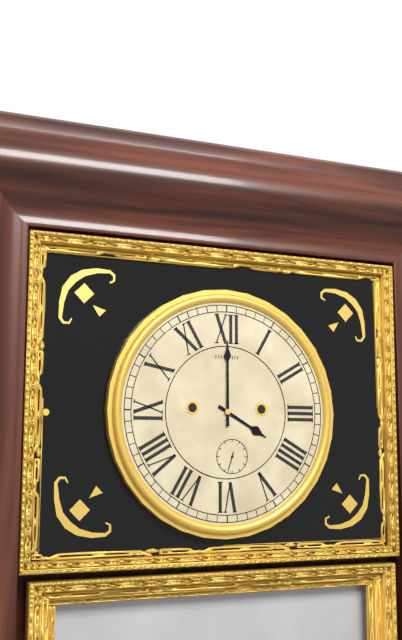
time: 4:00
